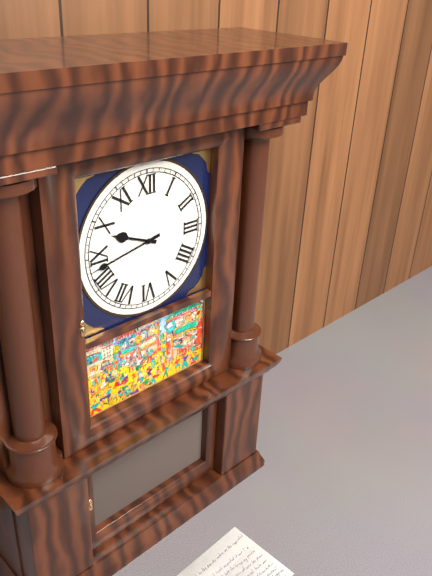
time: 9:43
